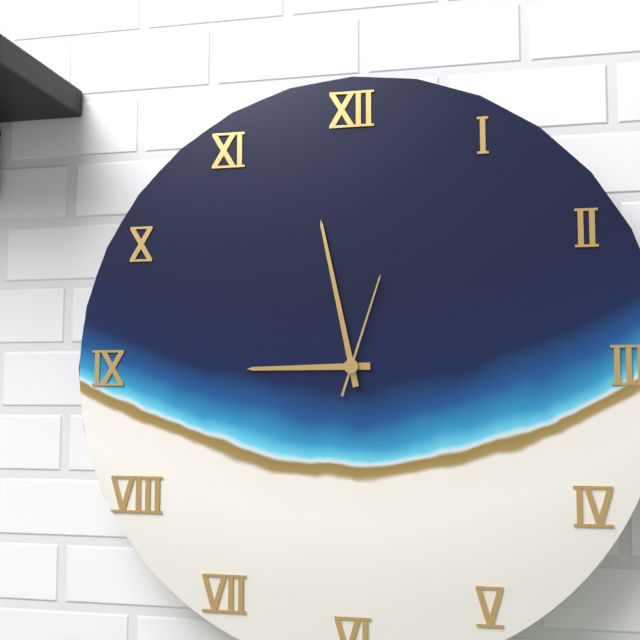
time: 8:58:03
